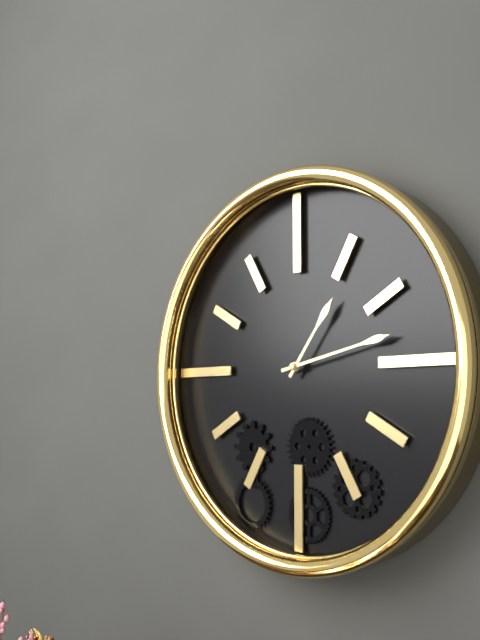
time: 1:13
